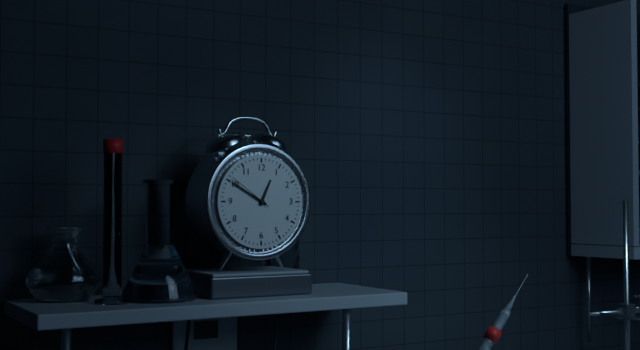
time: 12:50
